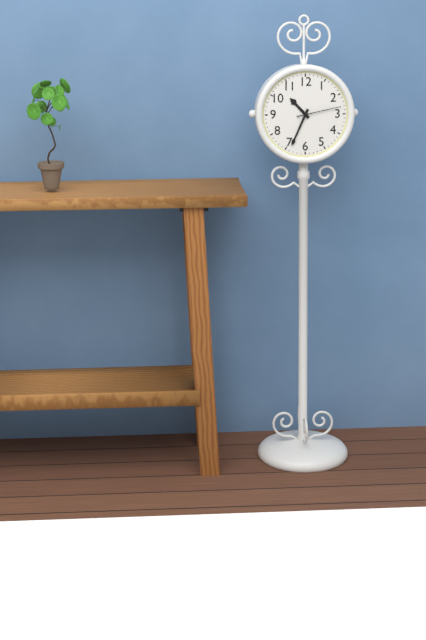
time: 10:34
